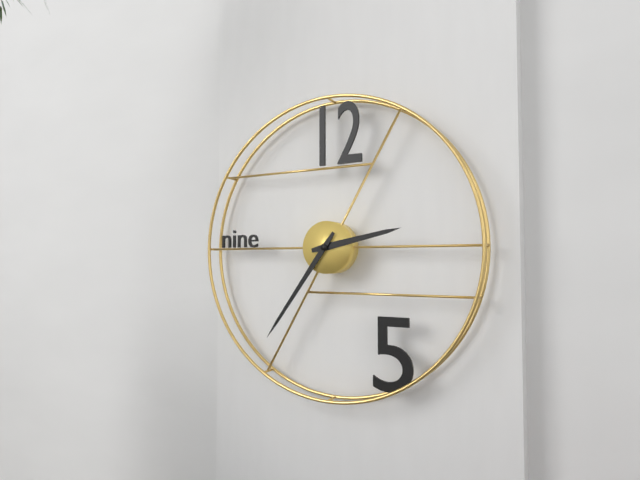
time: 2:36
